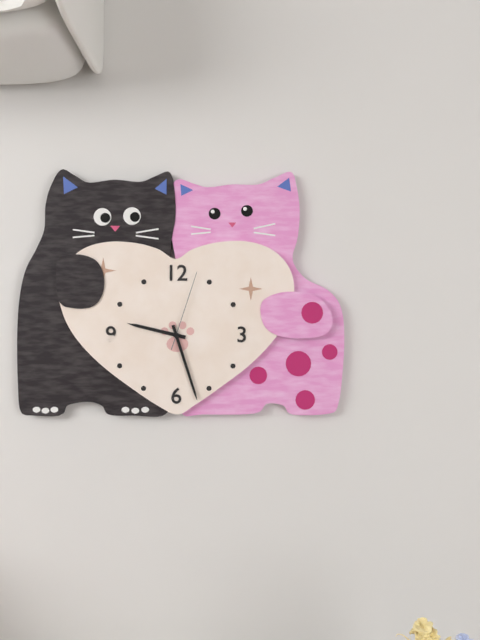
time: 9:27:03
